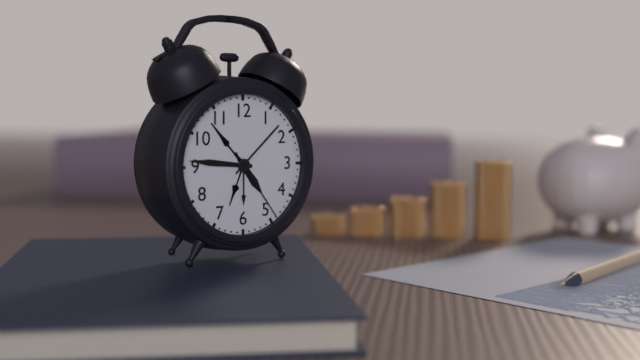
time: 4:46:24
